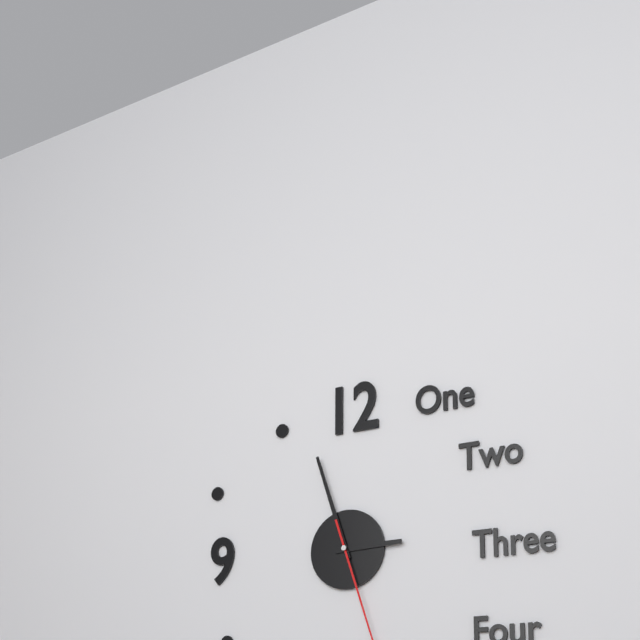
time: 2:57
